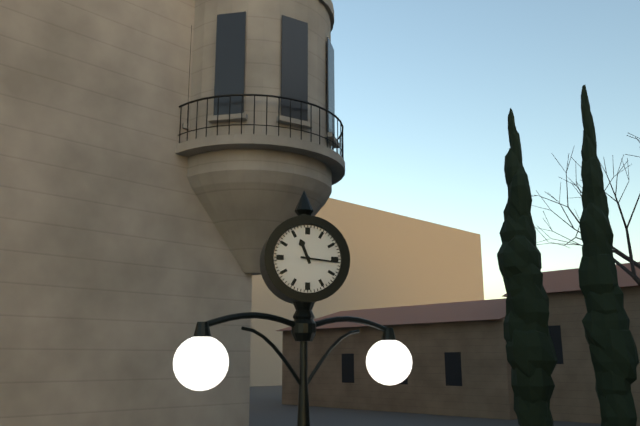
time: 11:16
